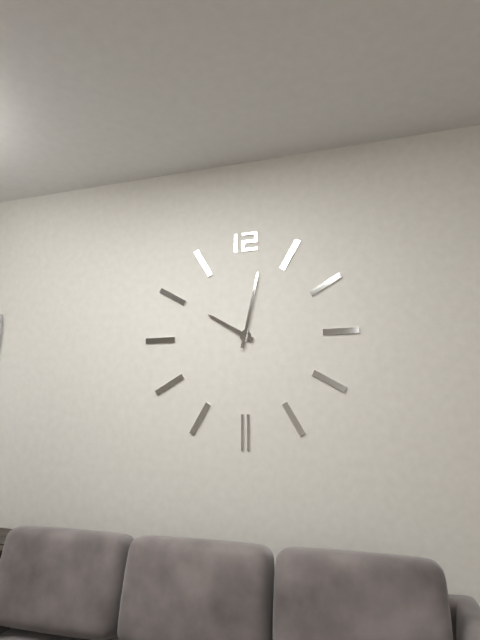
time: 10:02
